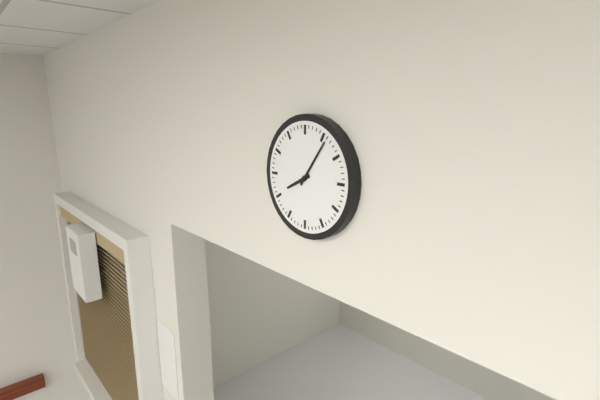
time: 8:06
